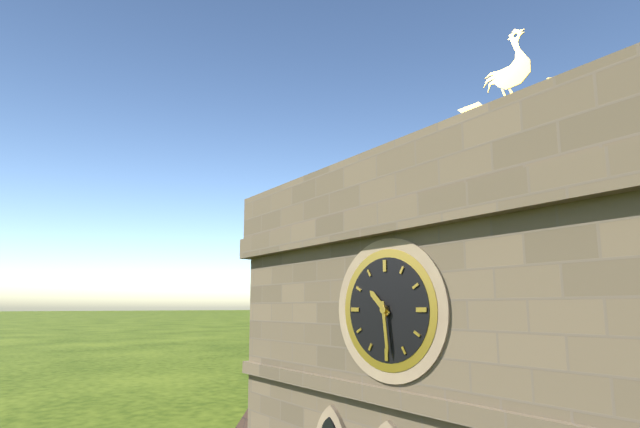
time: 10:29
